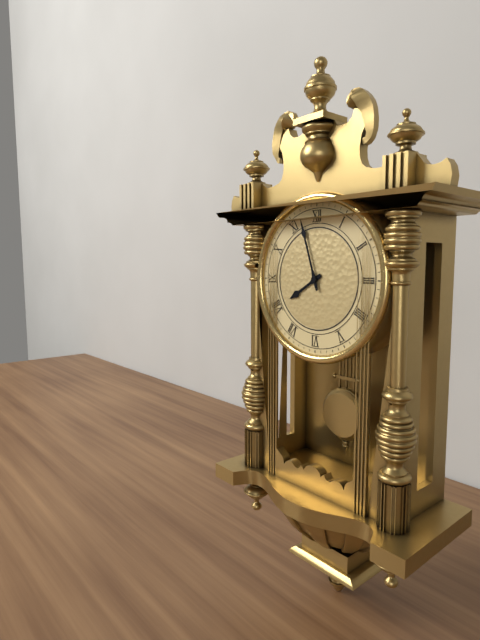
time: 7:57
